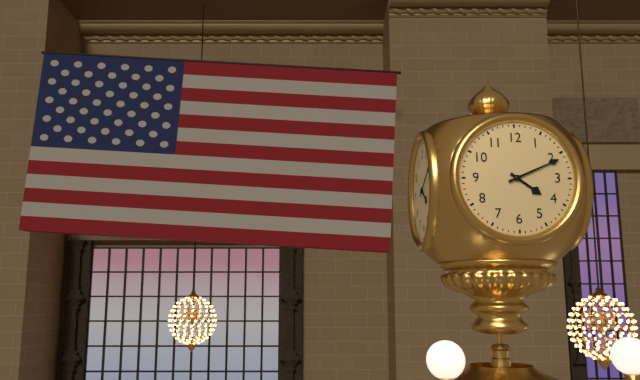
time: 4:11
